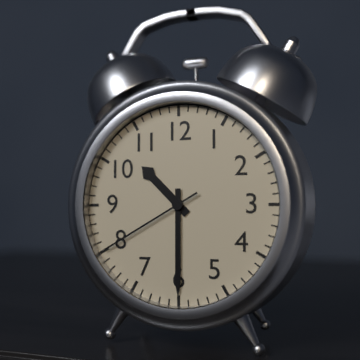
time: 10:30:40
